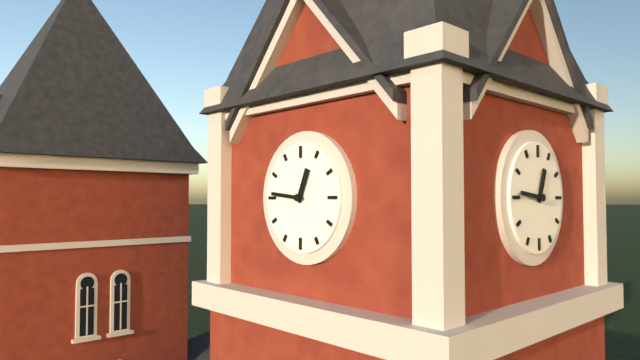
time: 12:46
